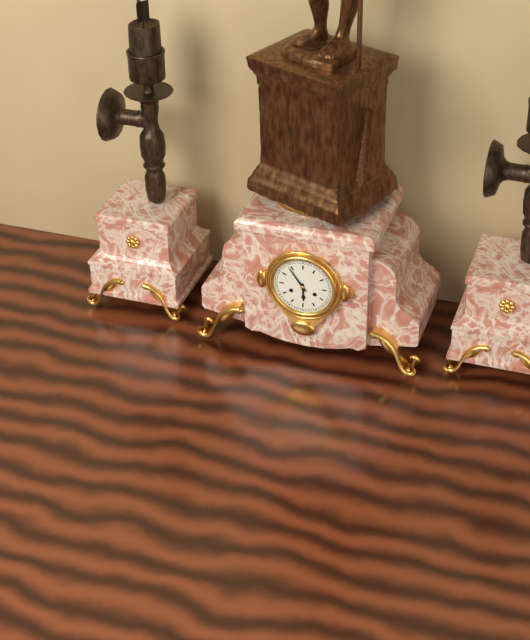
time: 5:54
